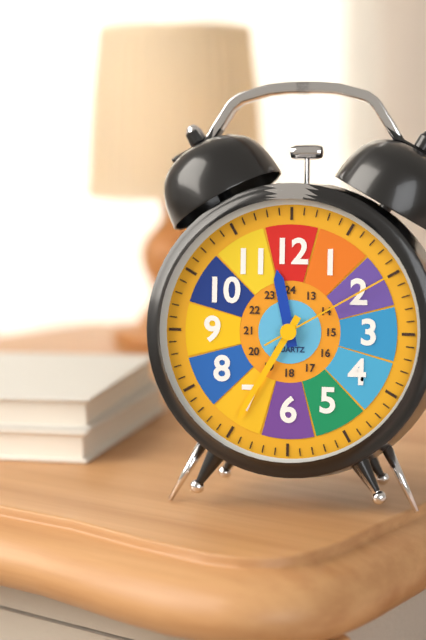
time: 11:35:10
